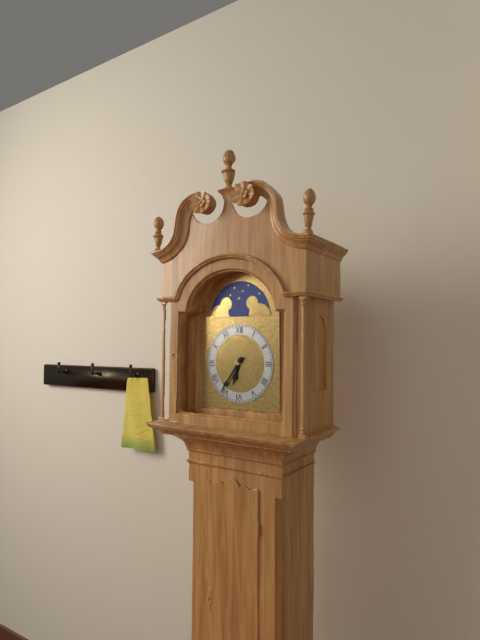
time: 6:36
